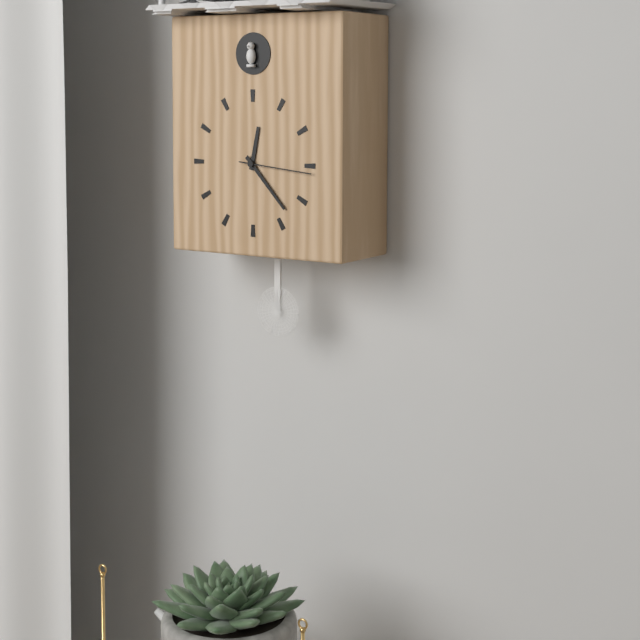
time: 12:23:16
